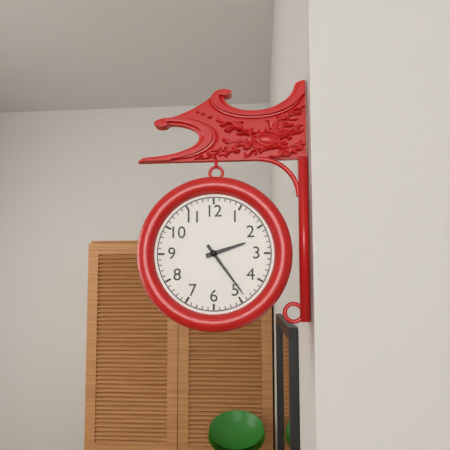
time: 2:24
